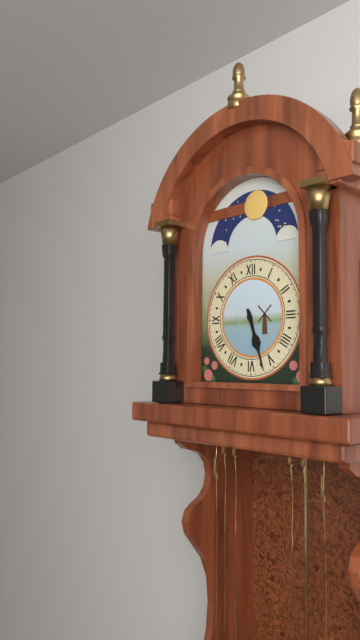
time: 5:27
